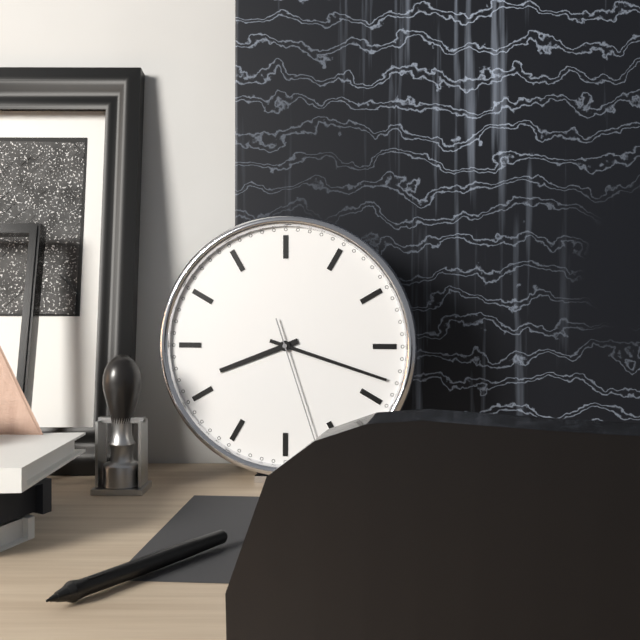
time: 8:18:27
